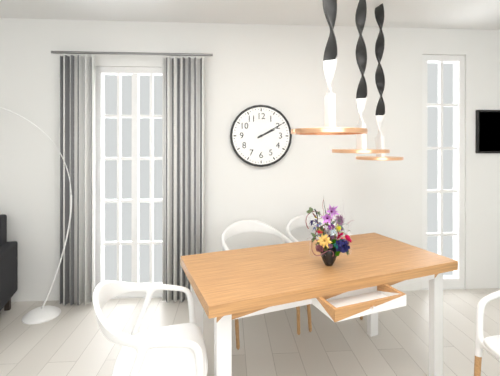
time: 2:10
